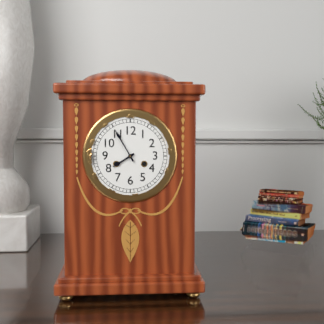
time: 7:55
